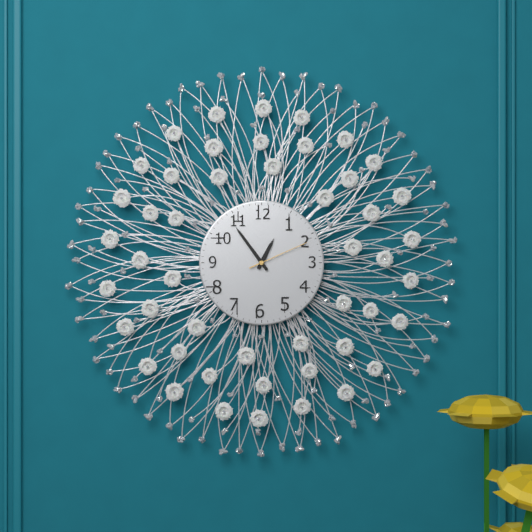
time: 12:54:11
